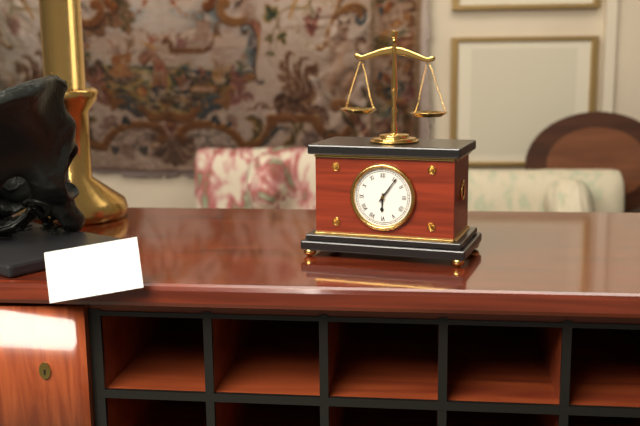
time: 6:06
